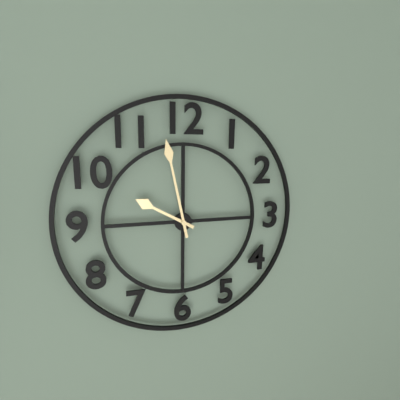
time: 9:58
